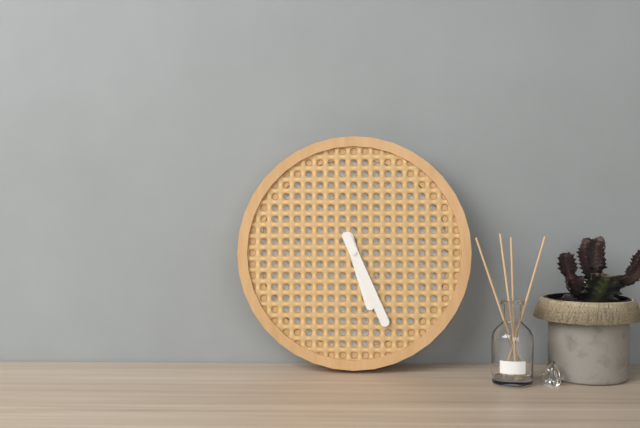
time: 5:26
